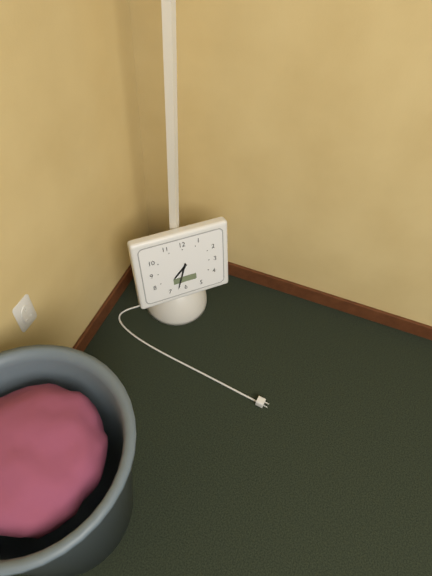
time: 7:33
